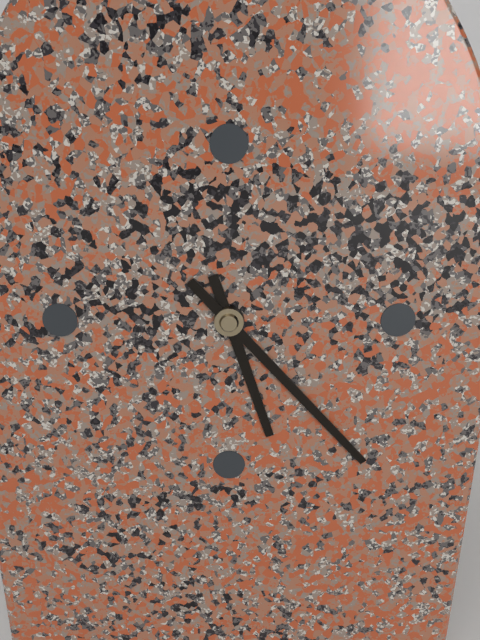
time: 5:23
